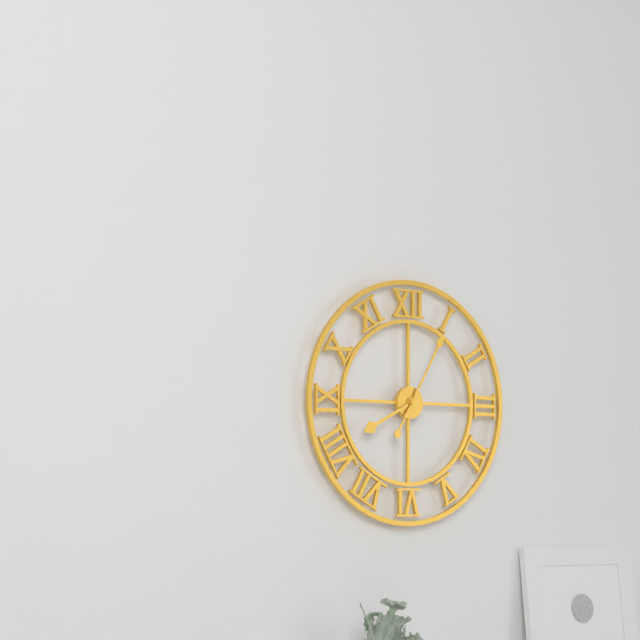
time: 8:05
